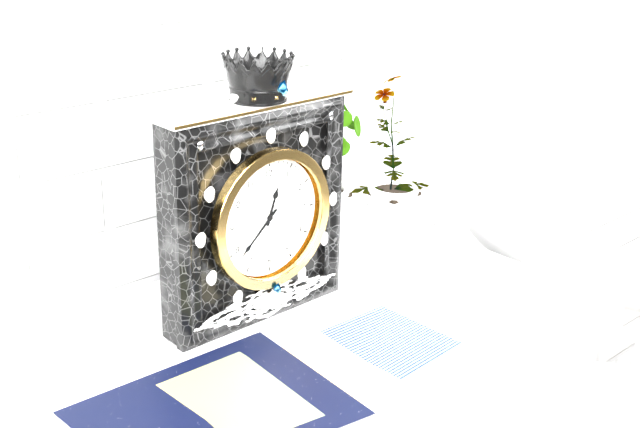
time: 12:38
